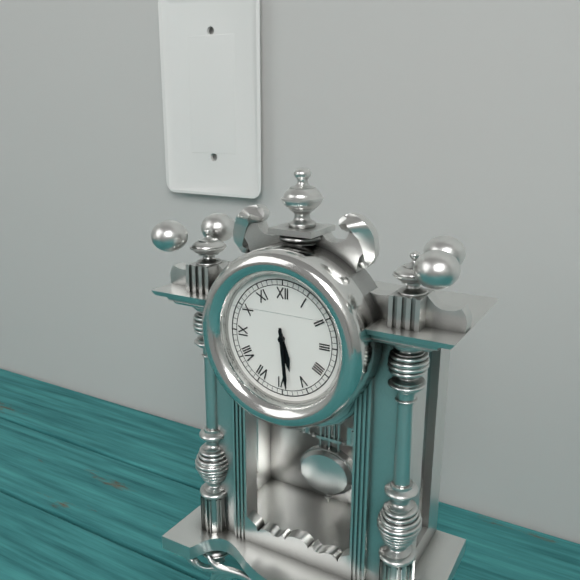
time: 5:29
